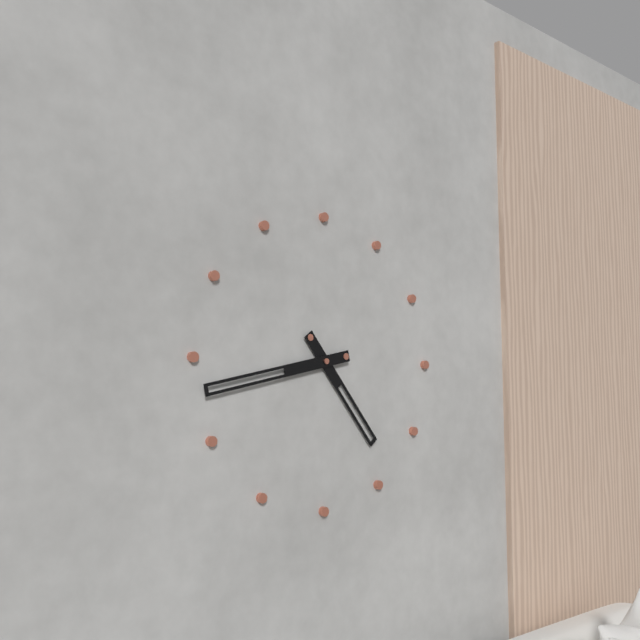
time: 4:43
